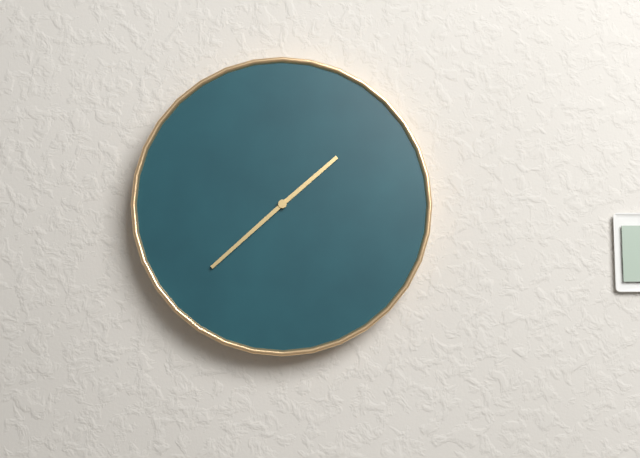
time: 1:38
